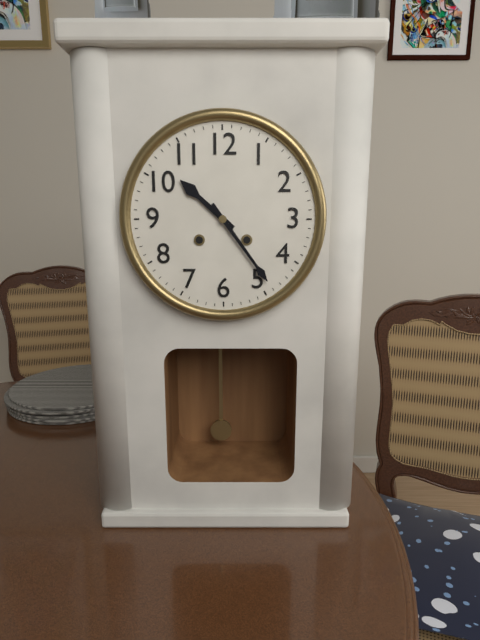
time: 10:24
